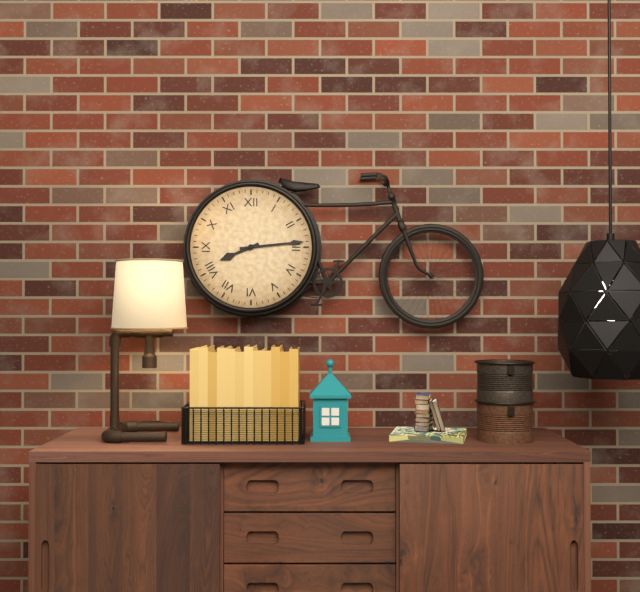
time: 8:14
